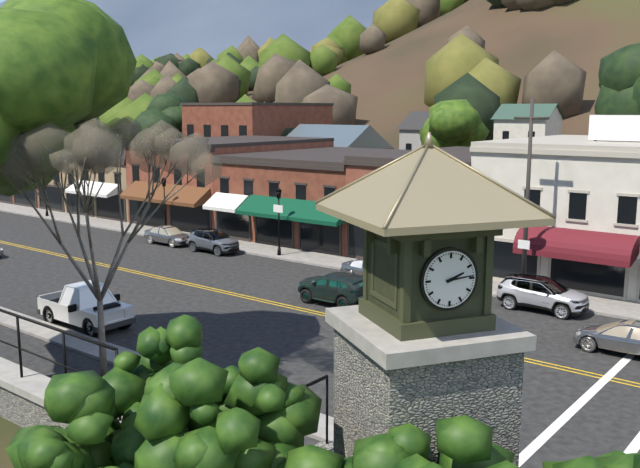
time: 2:14
